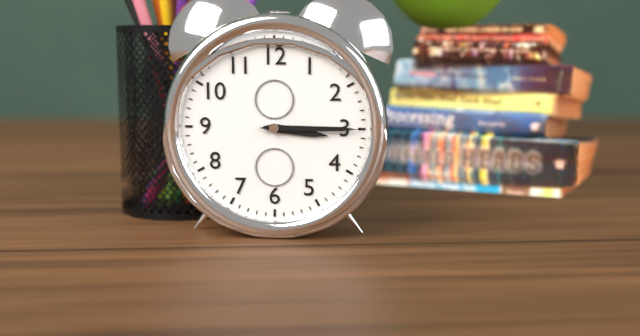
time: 3:15
